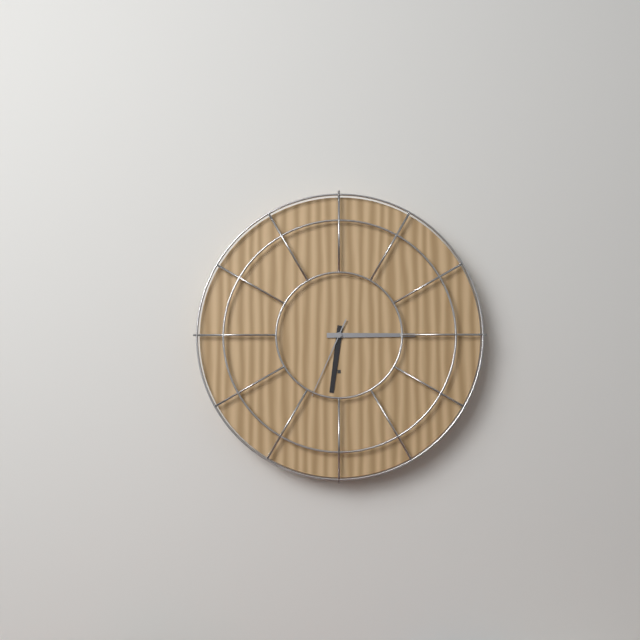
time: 6:15:34
